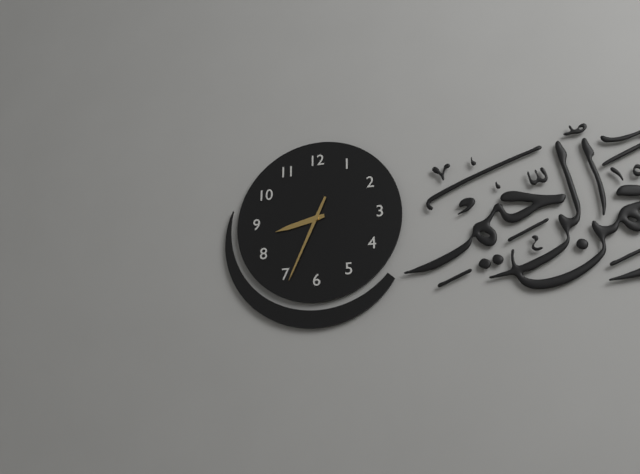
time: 8:34
